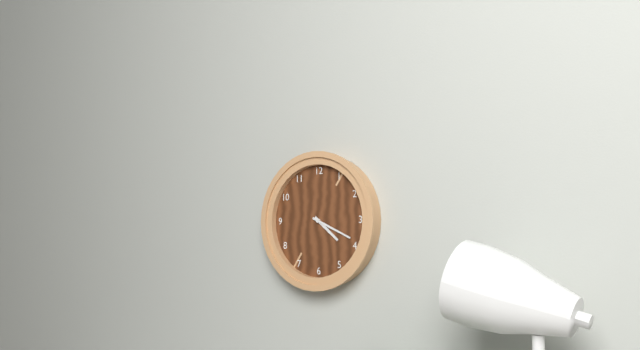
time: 4:19
